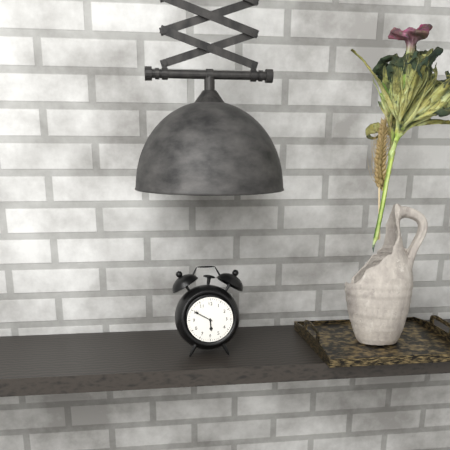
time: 5:50
